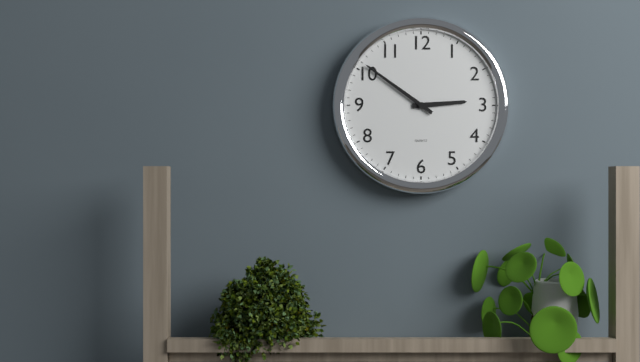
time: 2:51
